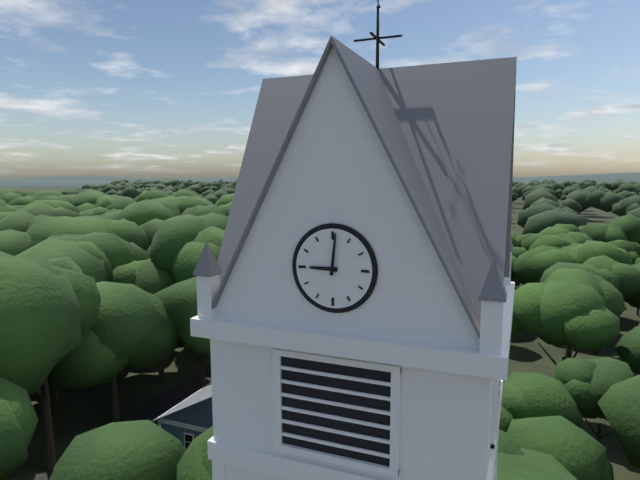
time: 9:01
